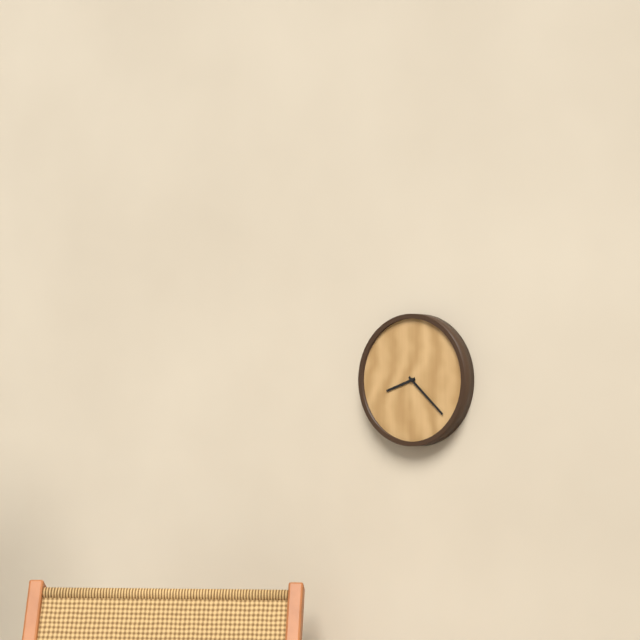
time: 8:22
